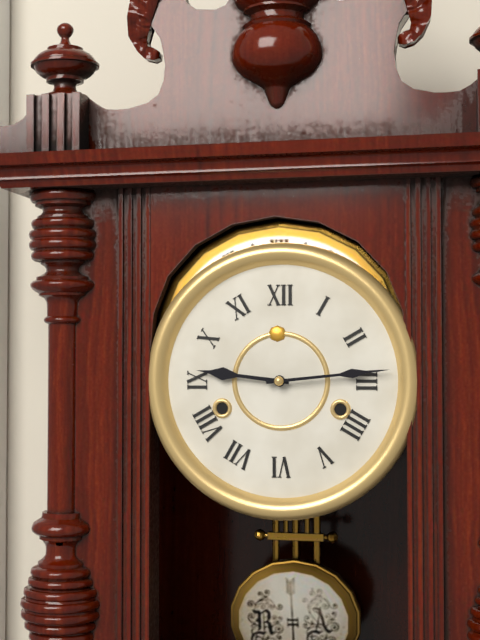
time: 9:14
